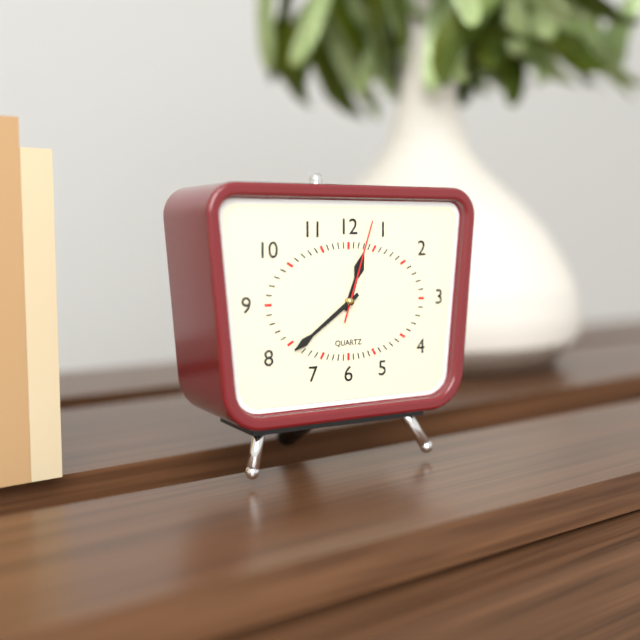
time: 12:39:03
